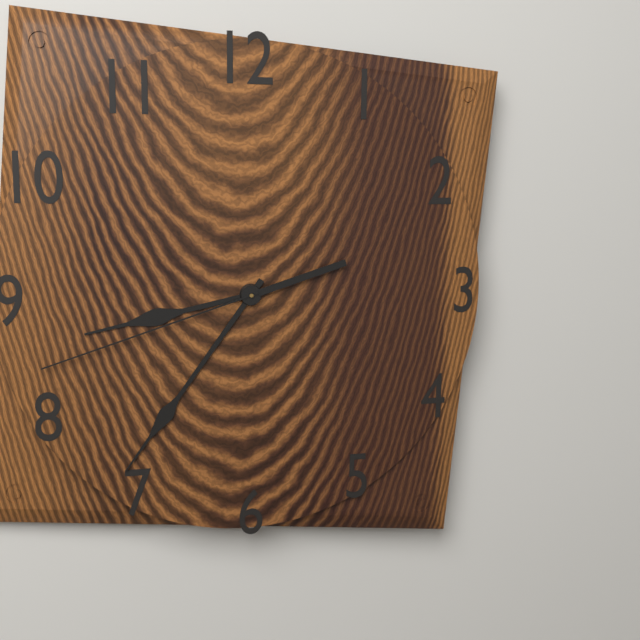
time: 8:36:42
